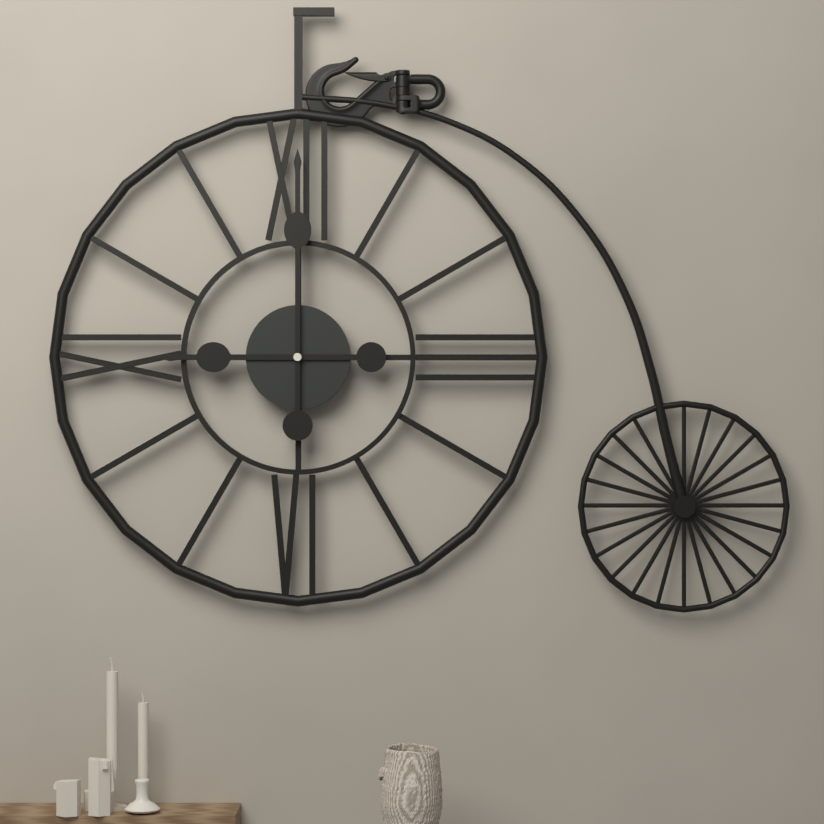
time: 9:00
